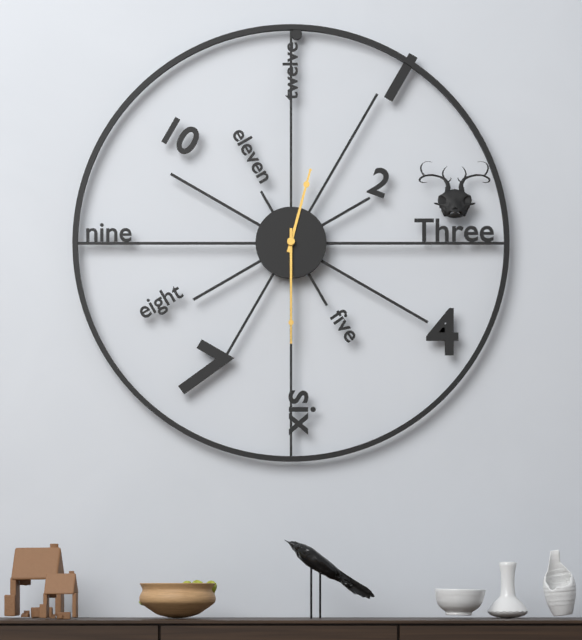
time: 12:30
